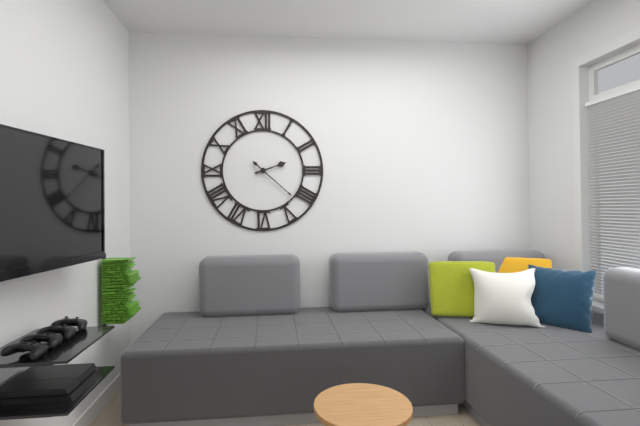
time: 2:22
